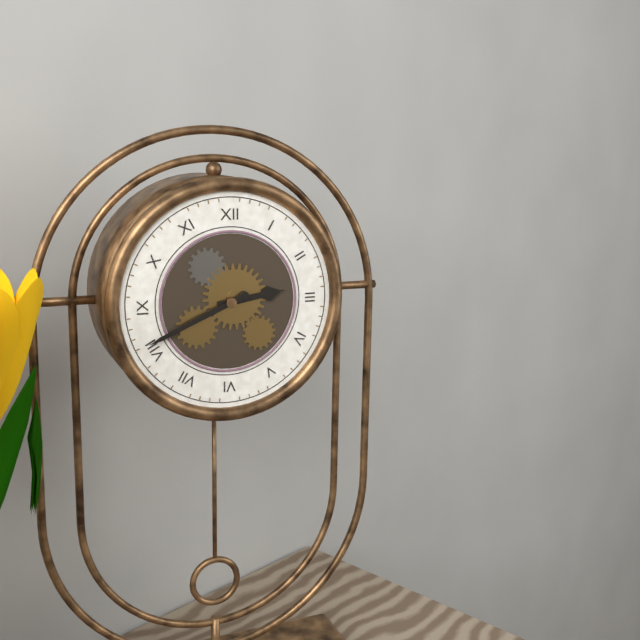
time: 2:41
